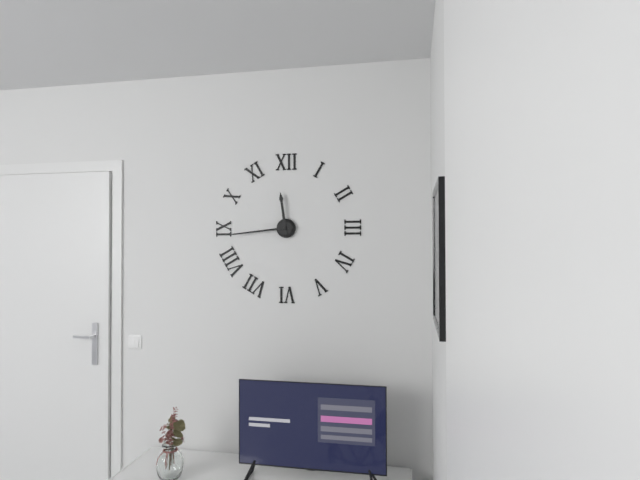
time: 11:44
